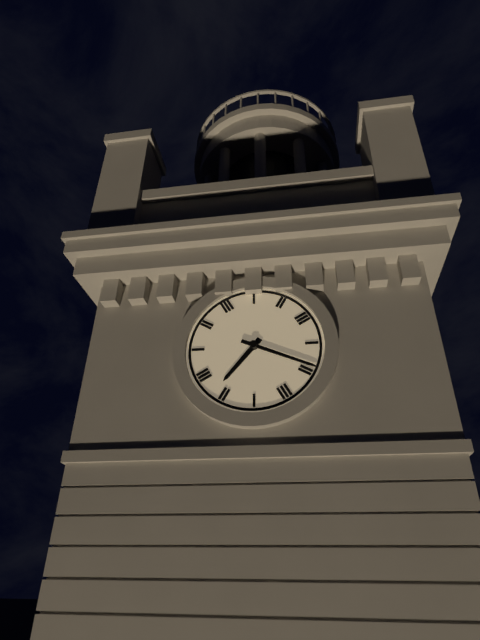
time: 7:19
